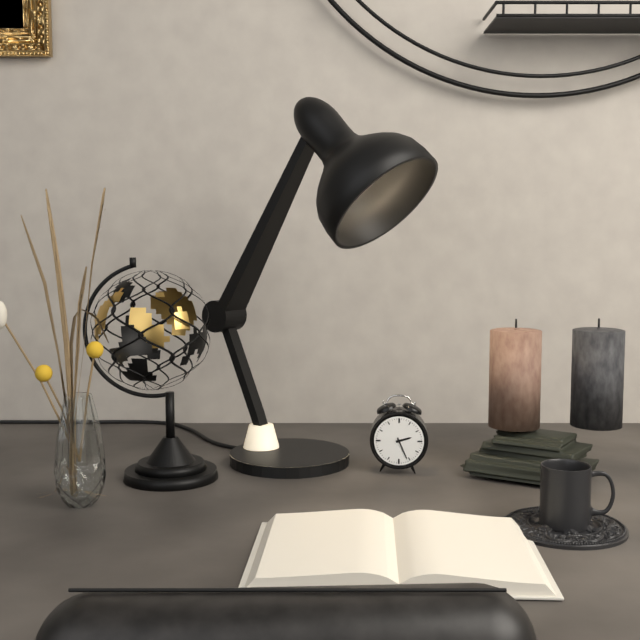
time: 2:26
